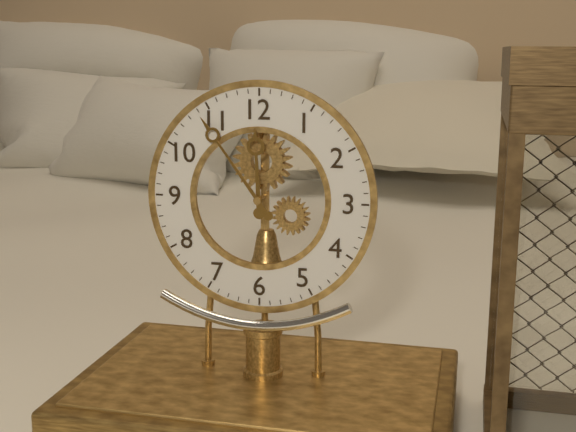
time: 11:54
